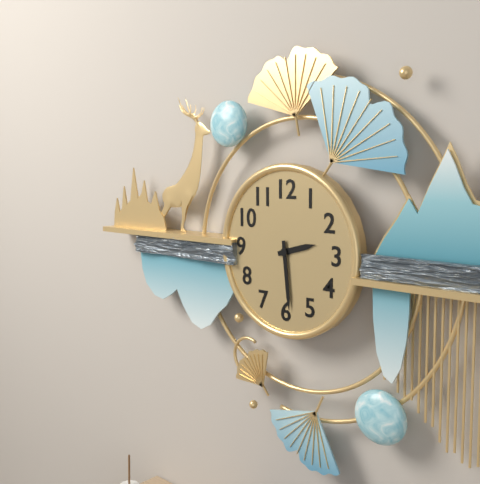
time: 2:29
